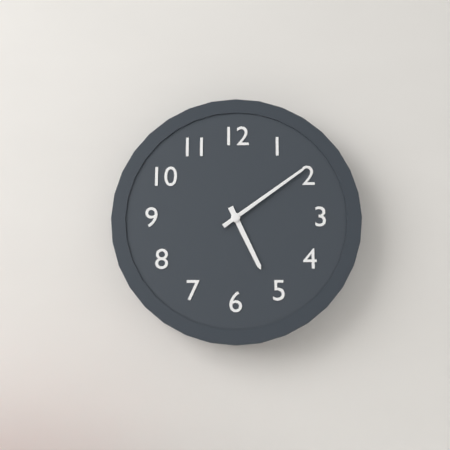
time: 5:09
